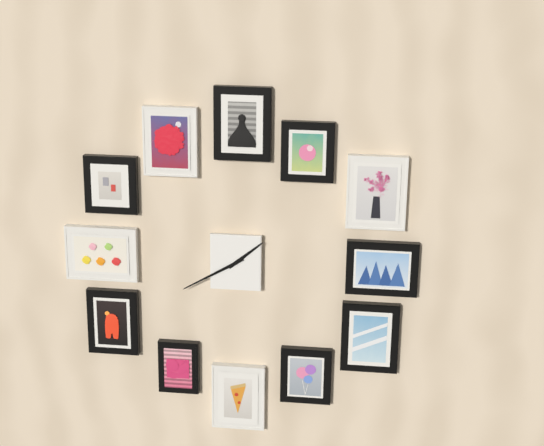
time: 1:40
